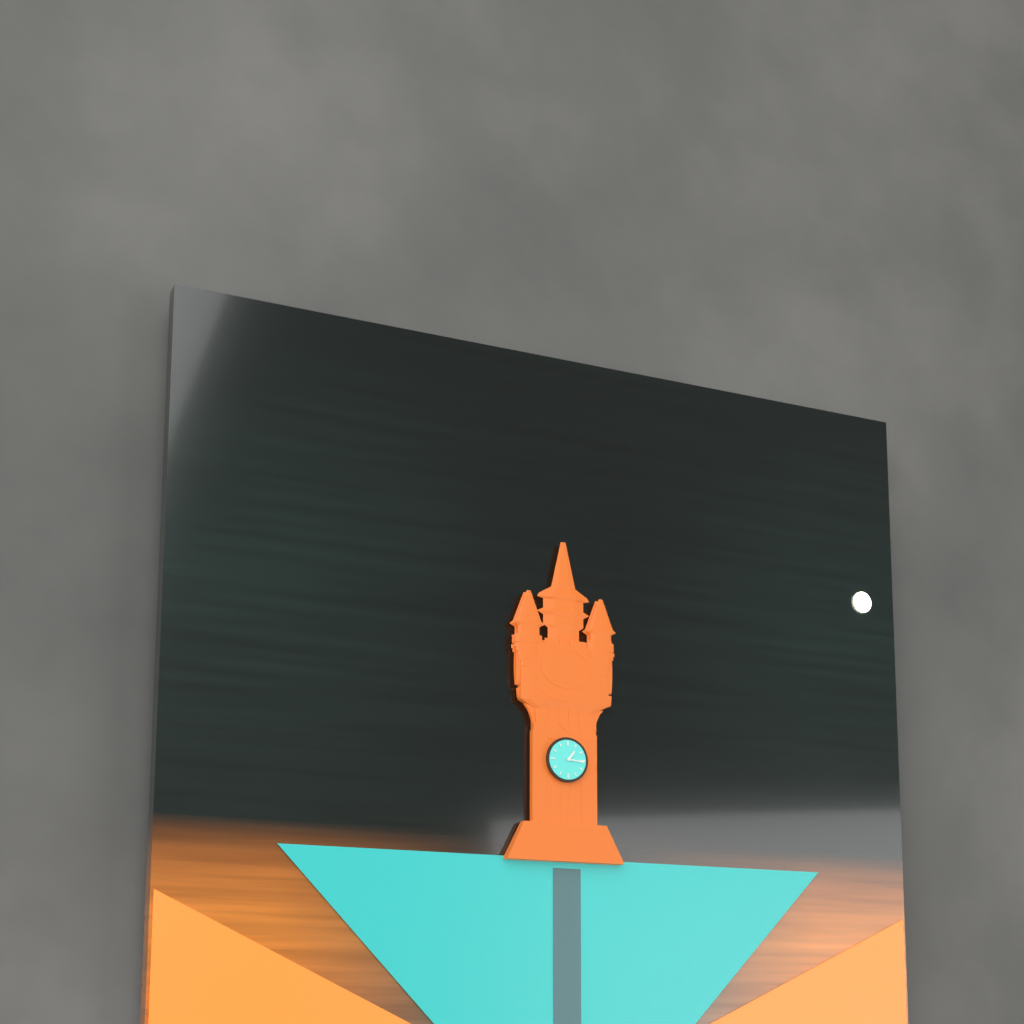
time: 1:16
